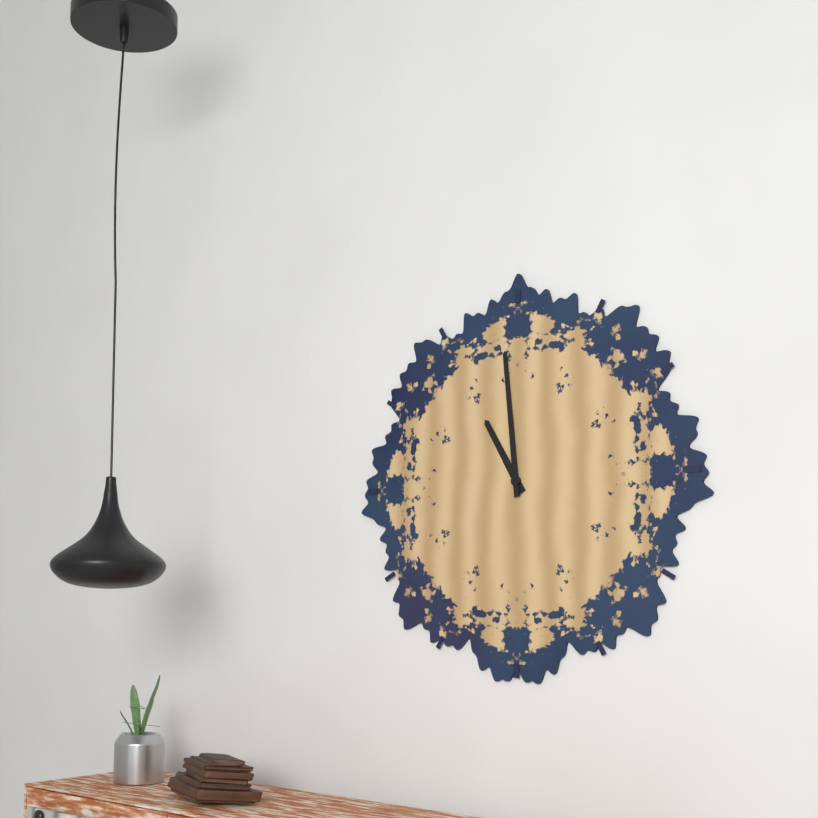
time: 10:59
